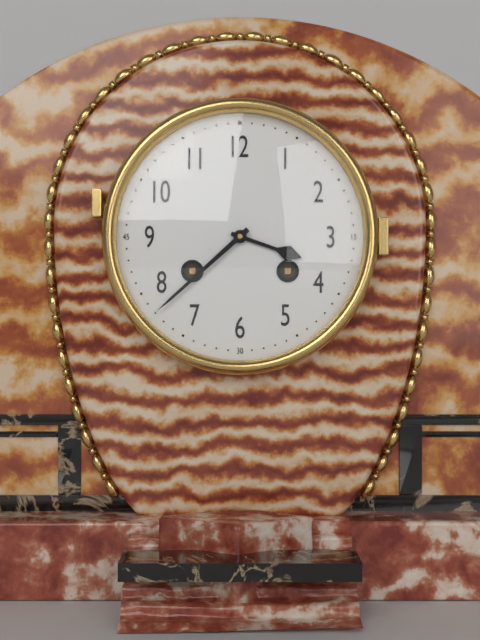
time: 3:38
